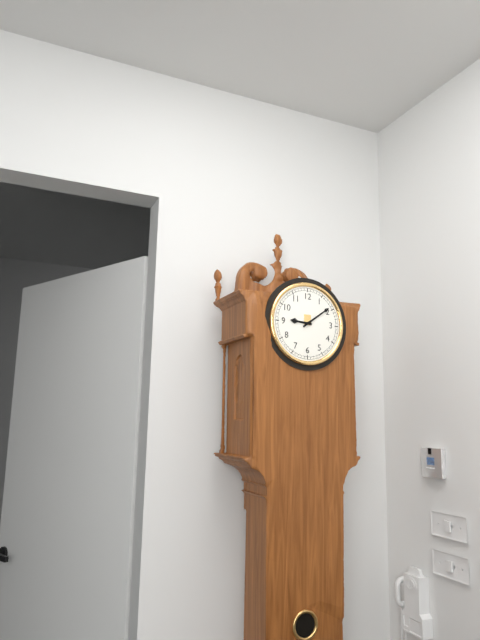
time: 9:09
